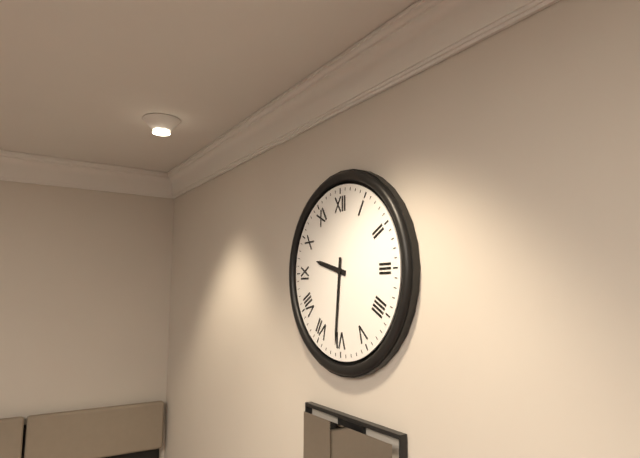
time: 9:31
